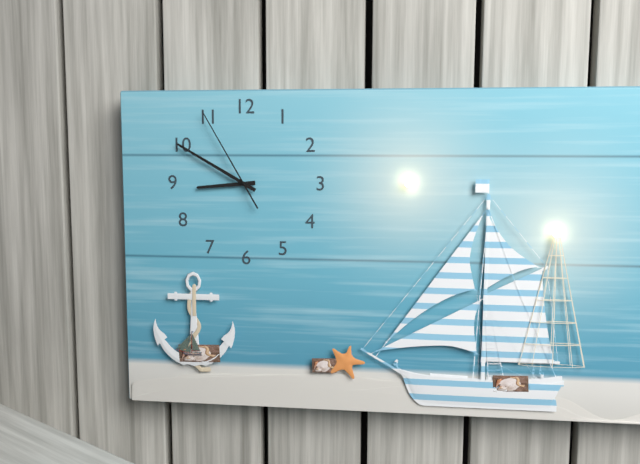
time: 8:50:55
